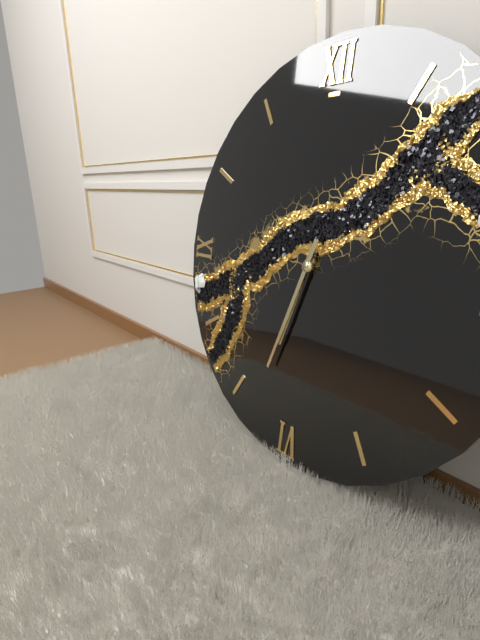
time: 6:33
